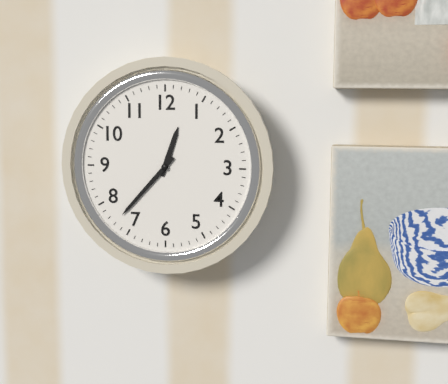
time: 12:37
